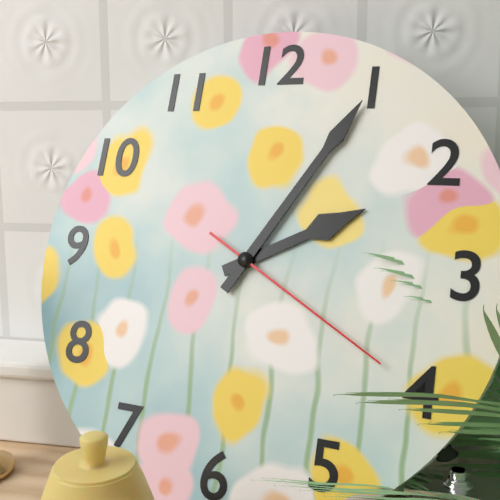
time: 2:05:20
